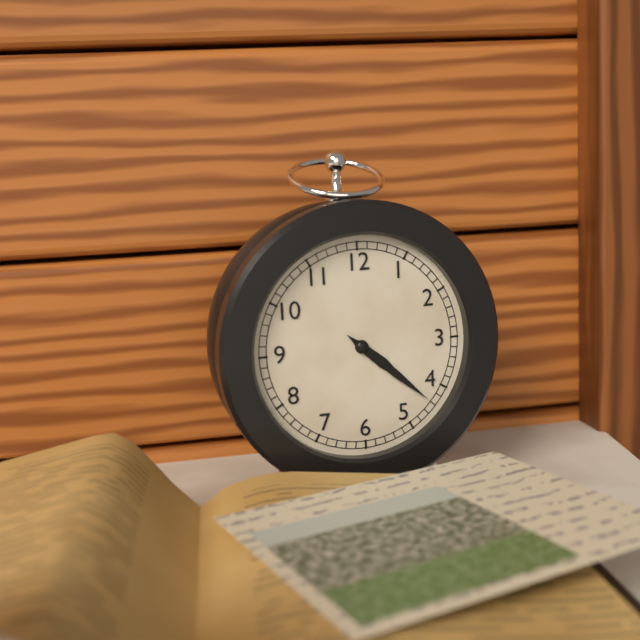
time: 4:22
